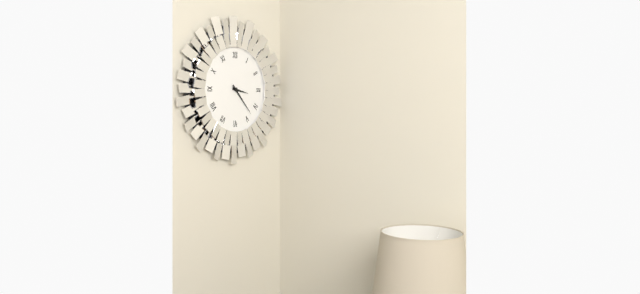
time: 3:23
